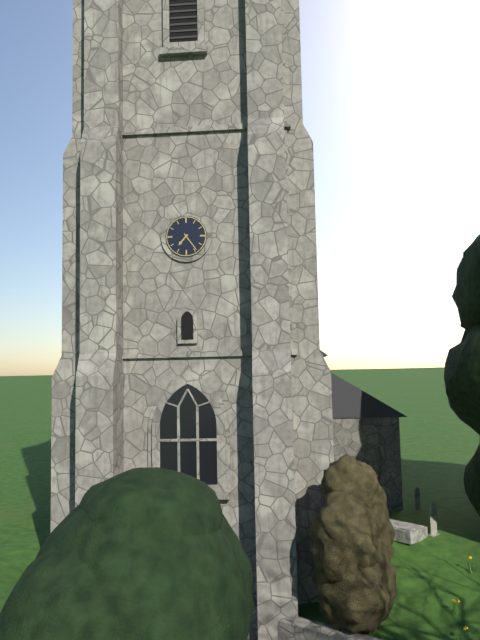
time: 7:24
